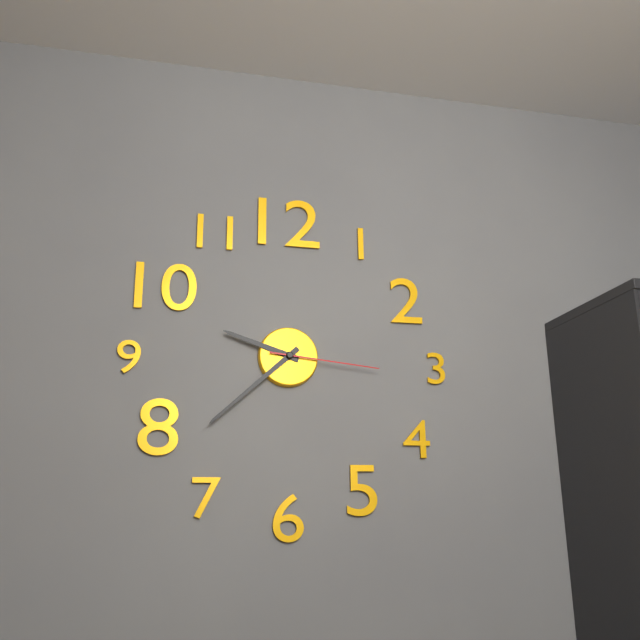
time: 9:38:16
